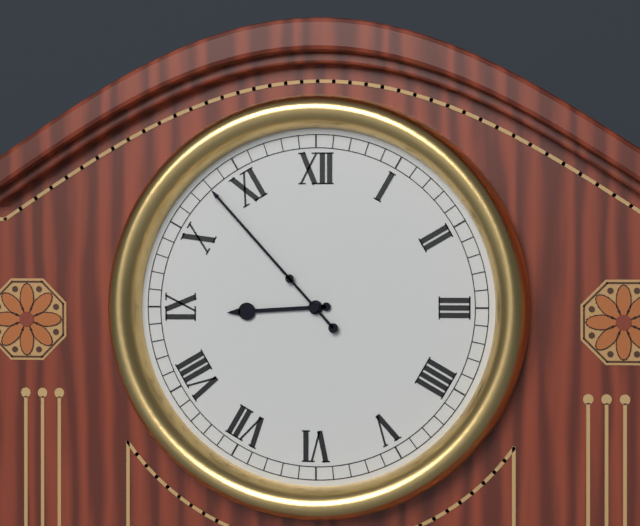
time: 8:53
